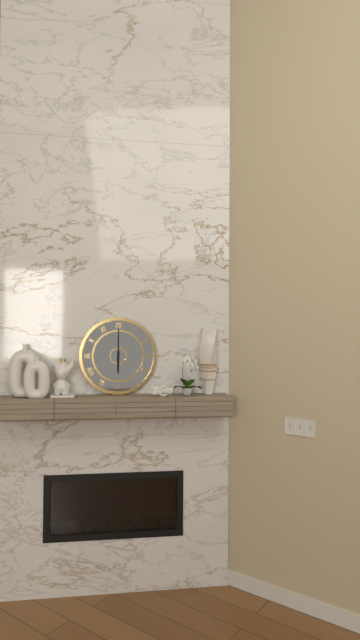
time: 6:00
